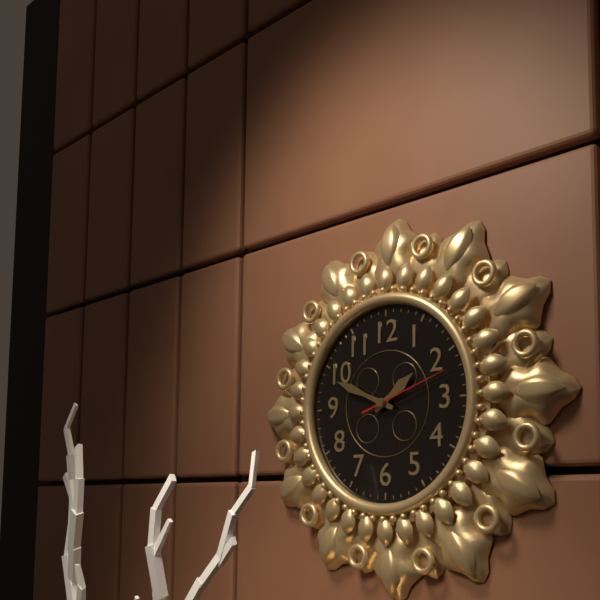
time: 1:49:12
